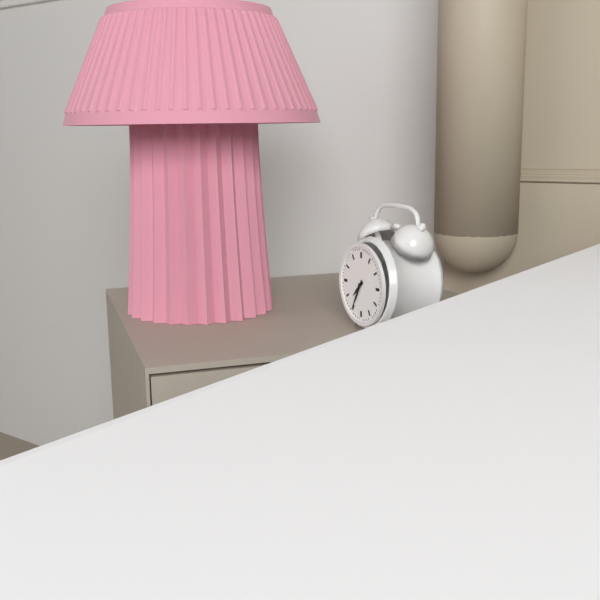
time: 7:35
